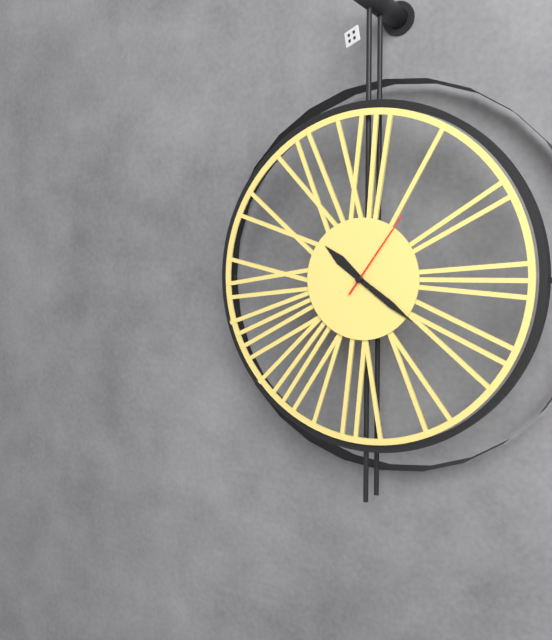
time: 10:21:06
